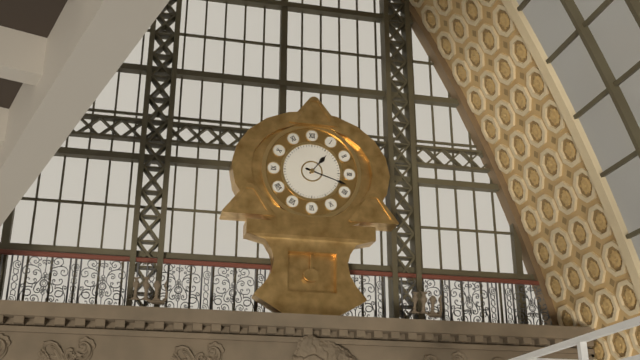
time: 1:18
